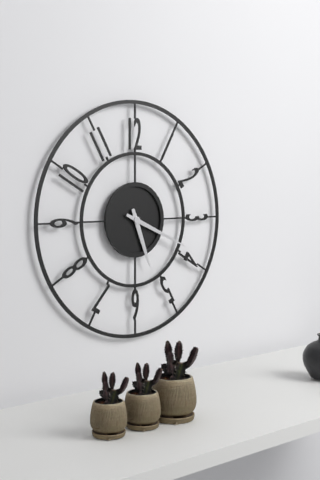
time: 5:19
